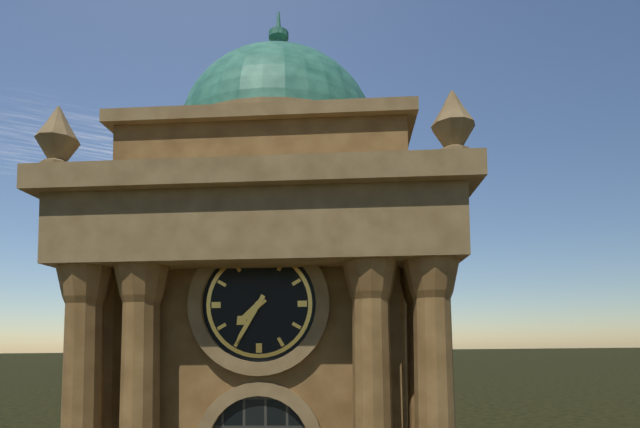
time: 7:35
